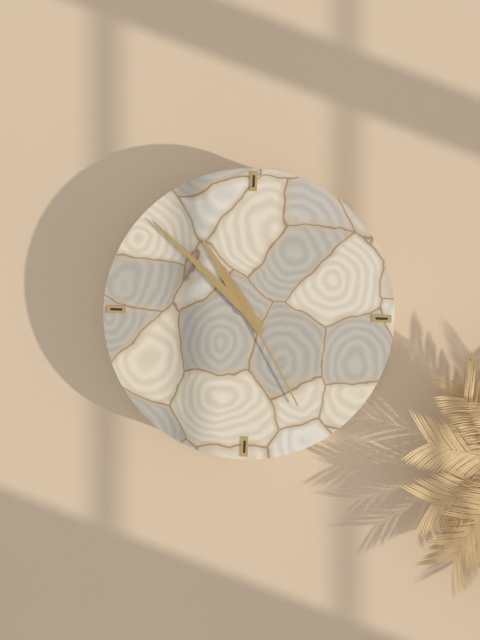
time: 10:52:25
